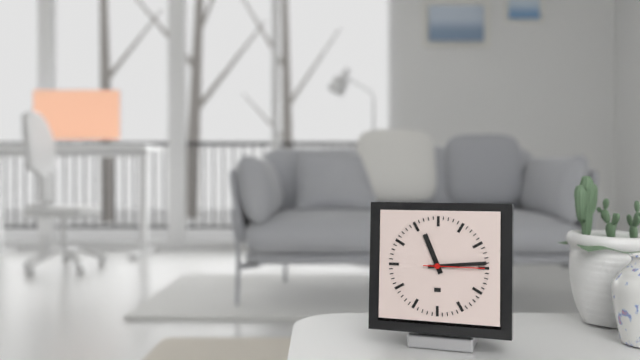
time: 11:14:15
